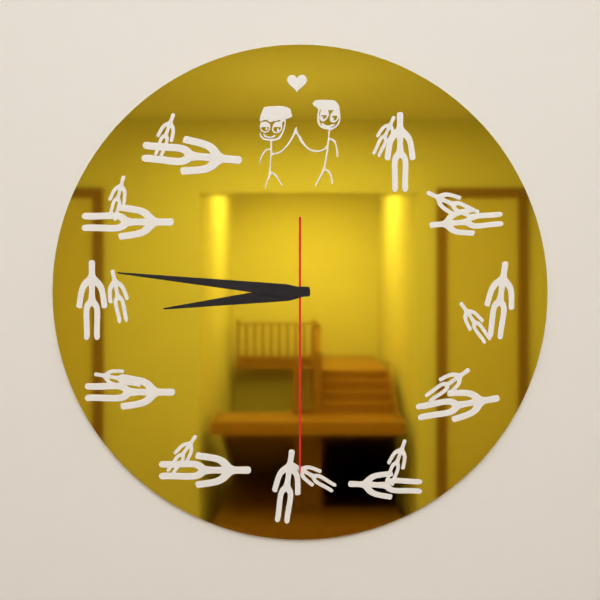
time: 8:46:30
